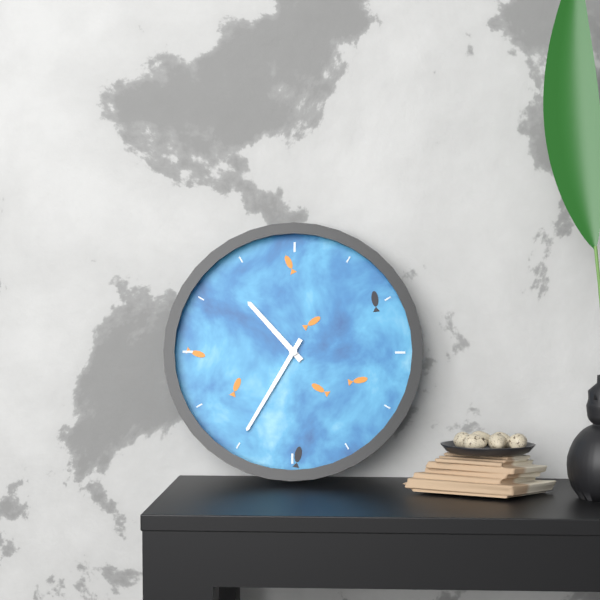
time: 10:35
